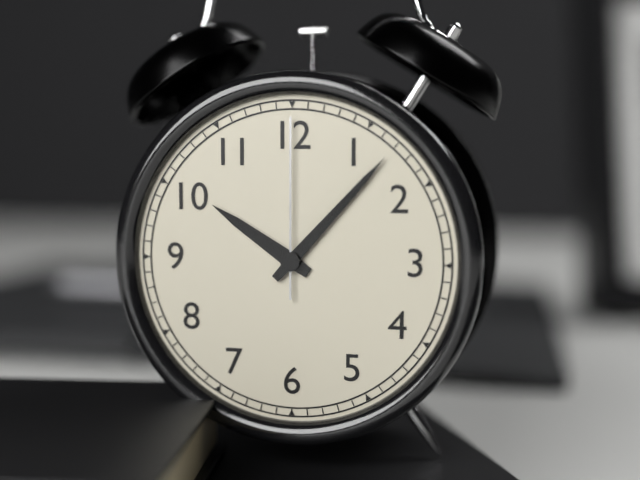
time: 10:07:00
